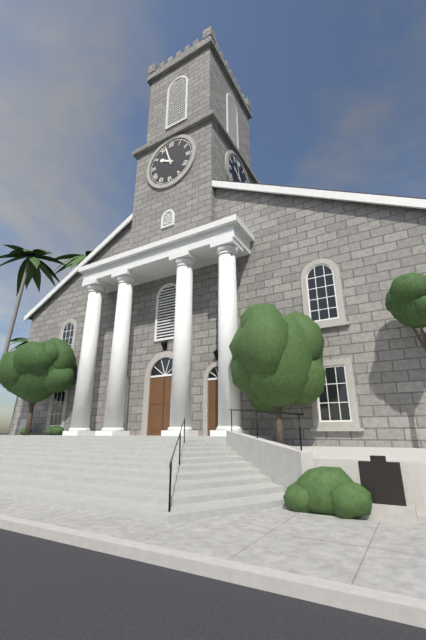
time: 9:57
